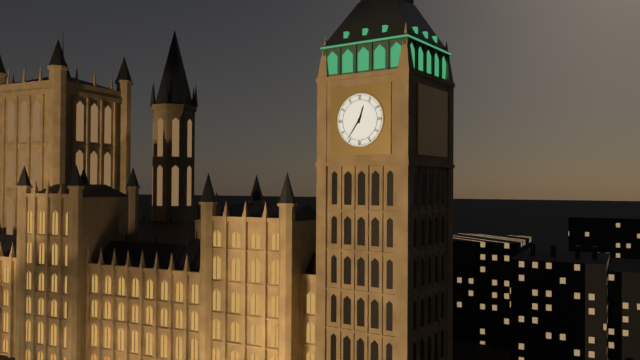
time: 12:36
